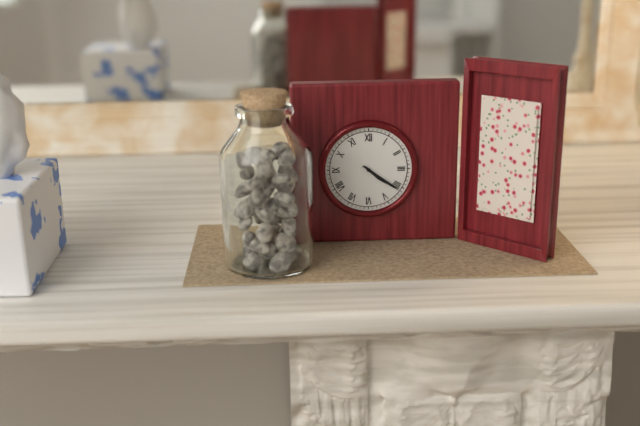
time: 4:21
